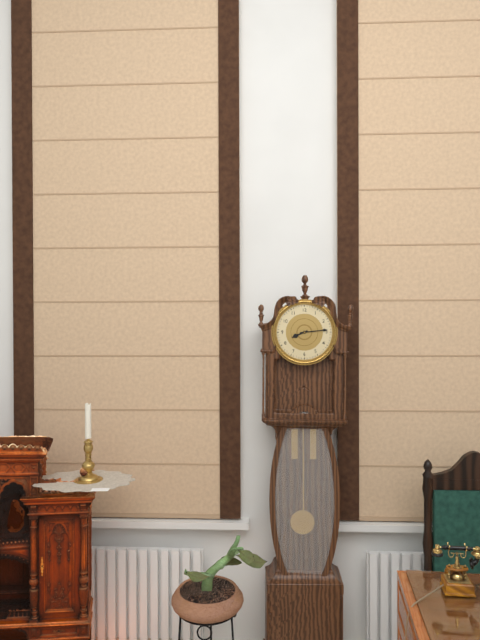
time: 8:14
